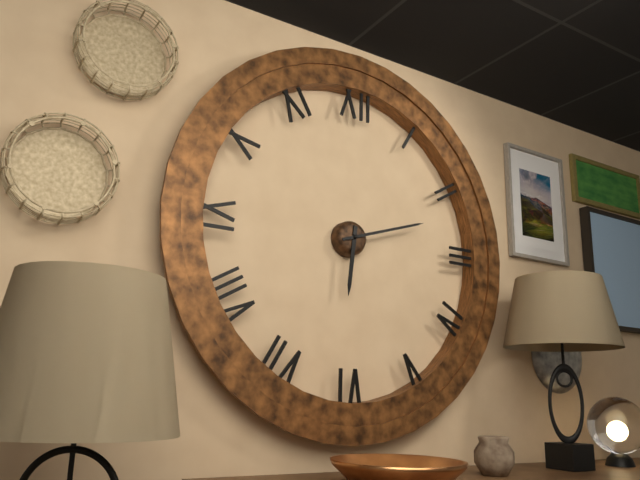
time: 6:12
